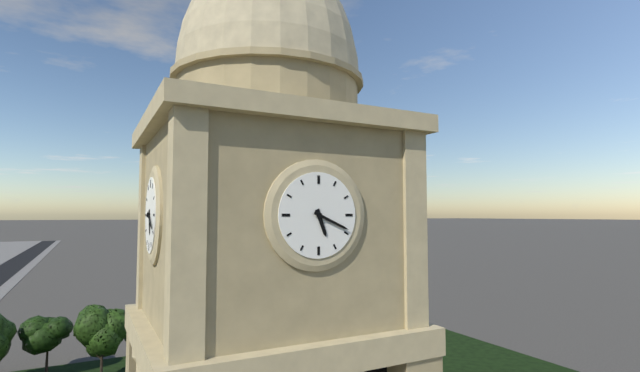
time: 5:19
